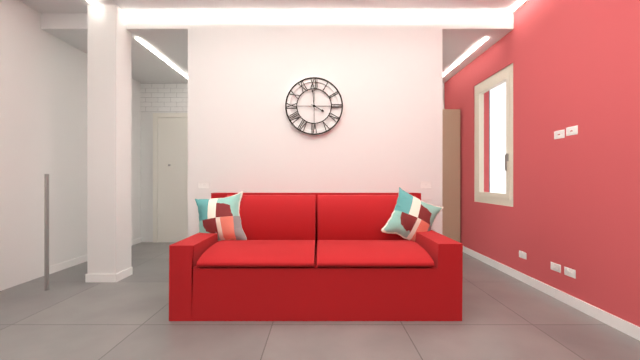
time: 3:59
